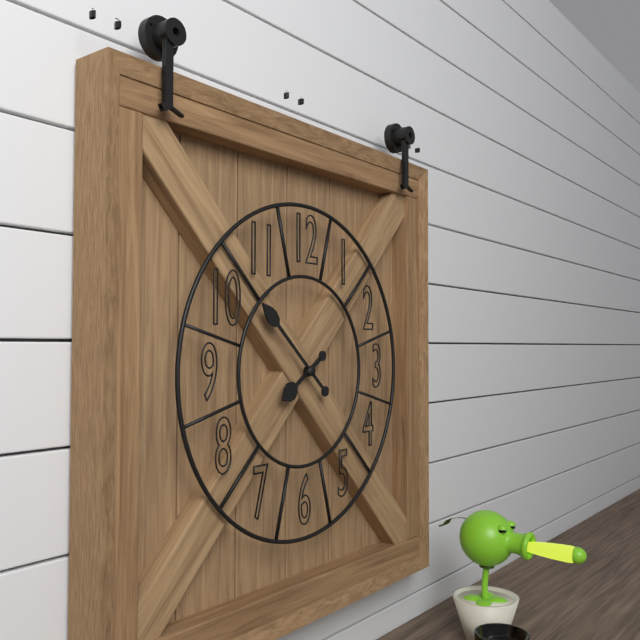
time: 7:52
